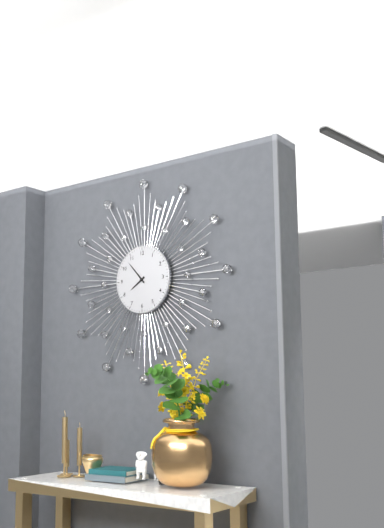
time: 7:53
